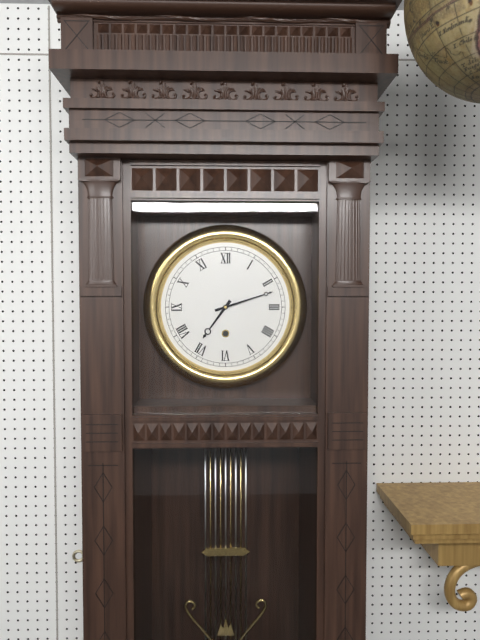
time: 7:12
